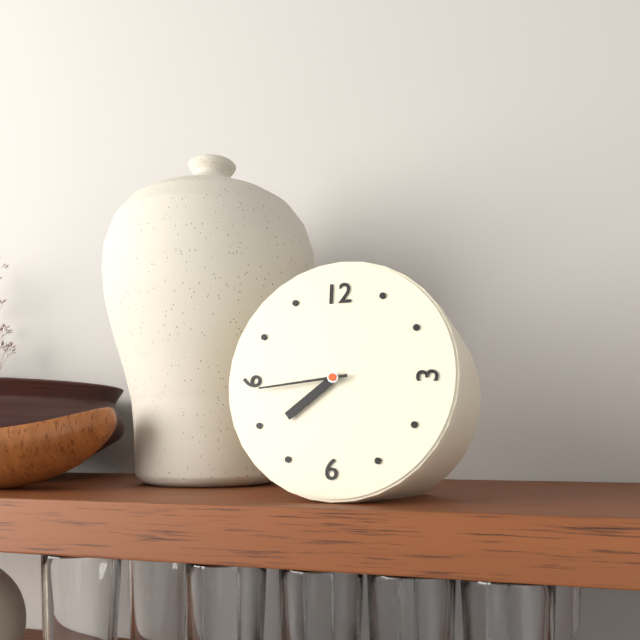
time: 7:44
